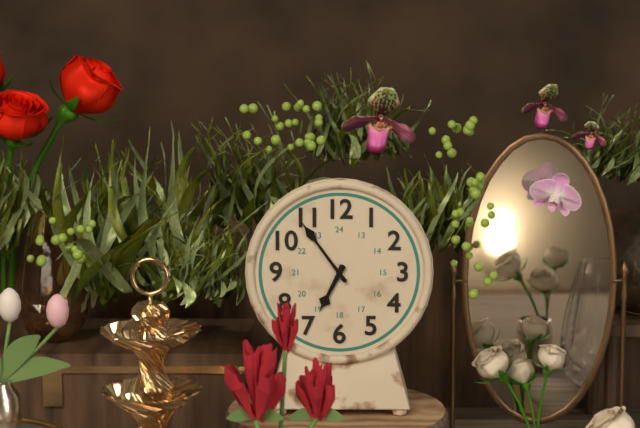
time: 6:54
